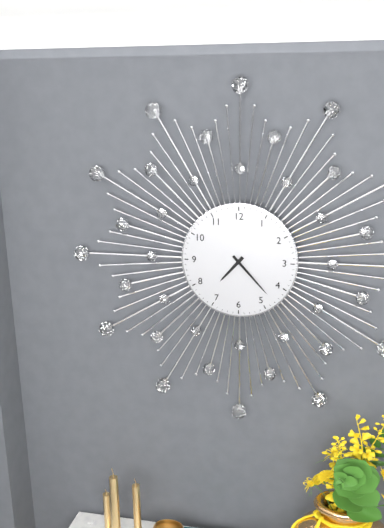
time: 7:23
